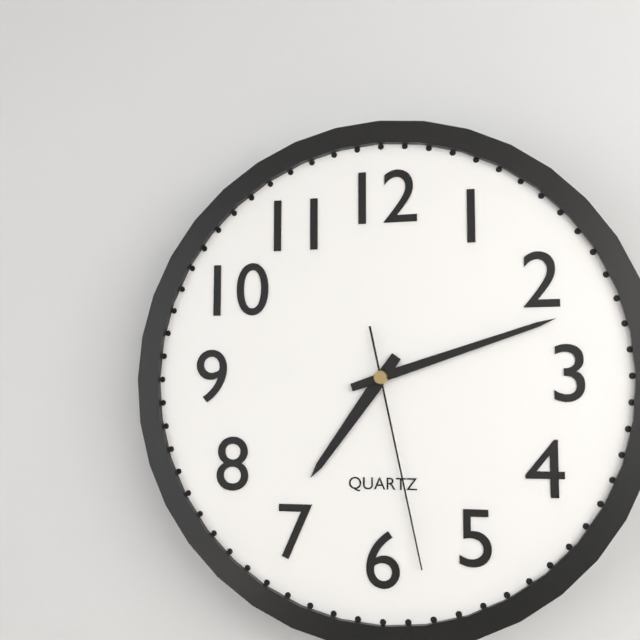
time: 7:12:28
